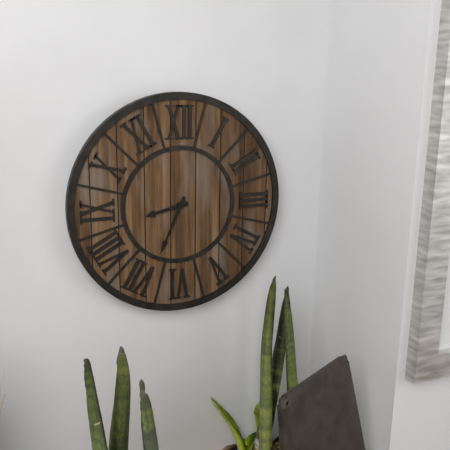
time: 8:34
